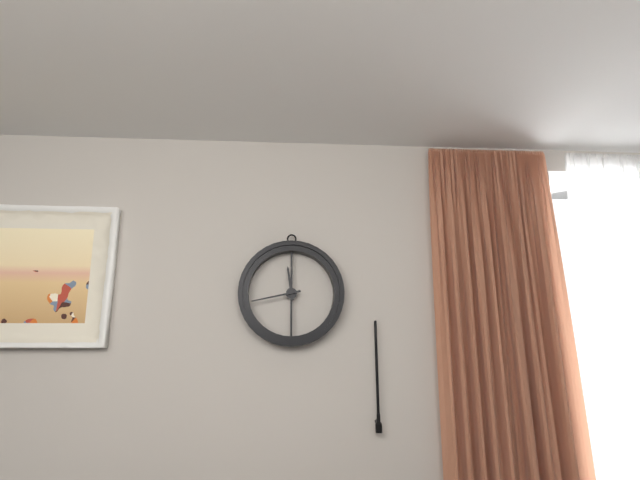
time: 11:43
